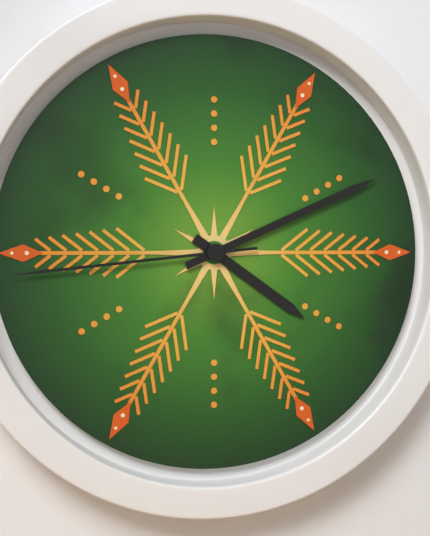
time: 4:11:44
